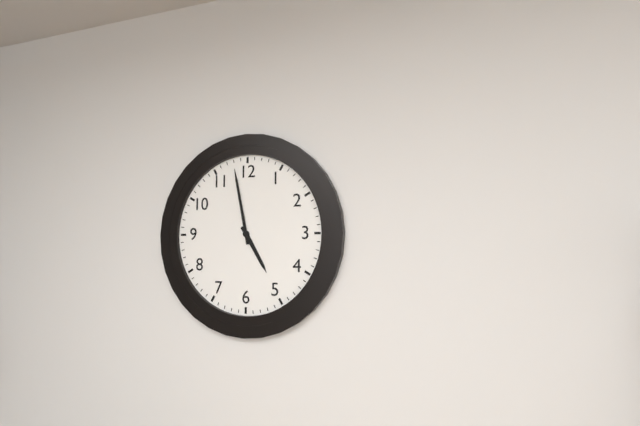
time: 4:58
